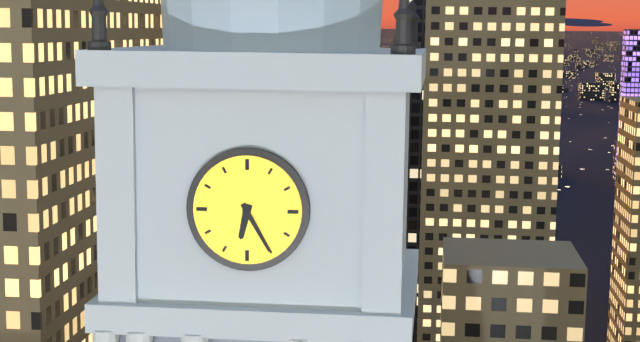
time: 6:25
